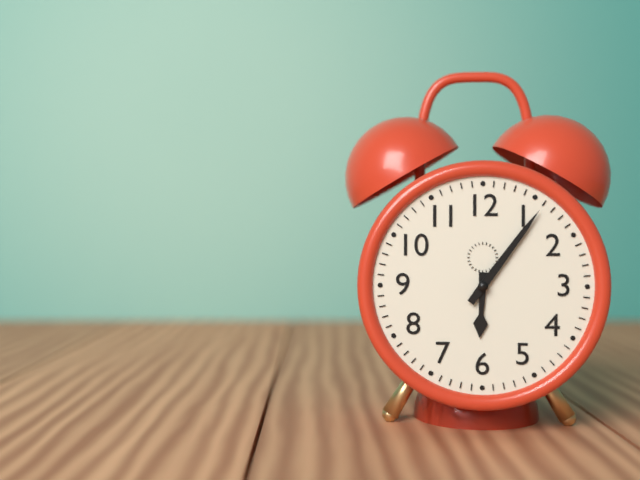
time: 6:06
